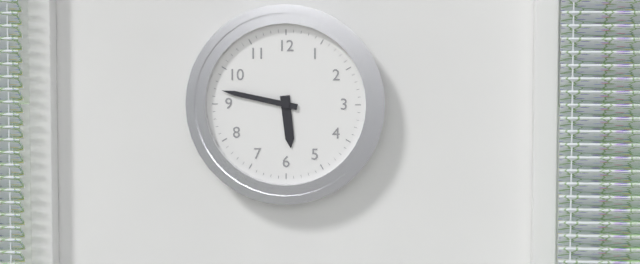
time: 5:47
